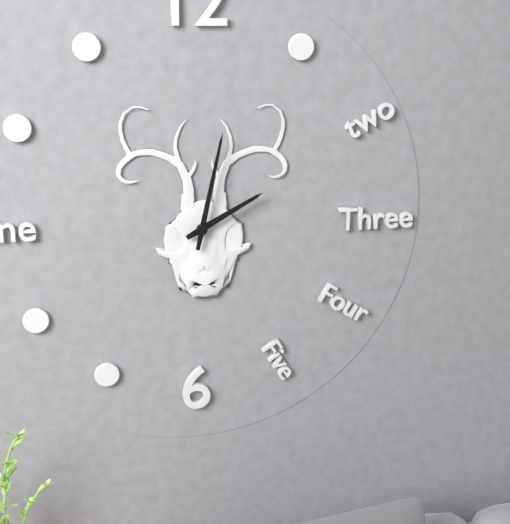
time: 2:02
